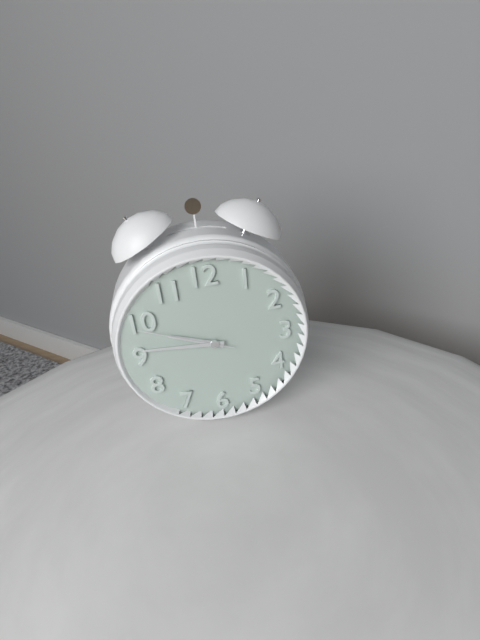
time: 9:46:49
